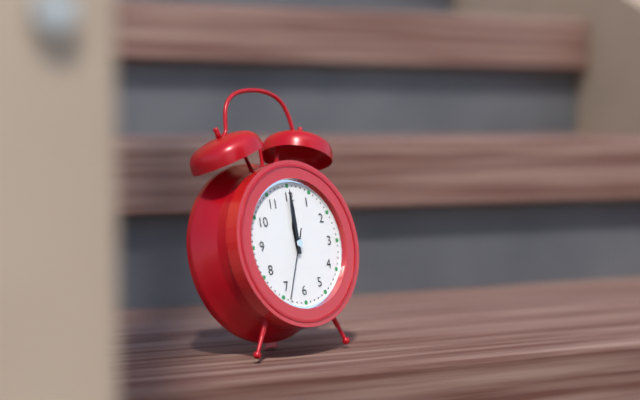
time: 12:00:34
